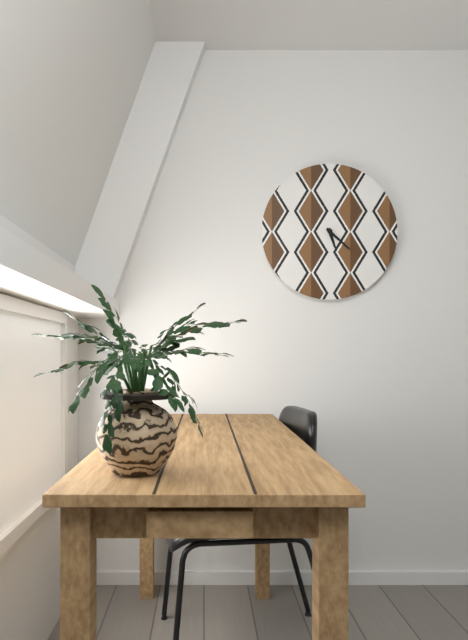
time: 5:22
